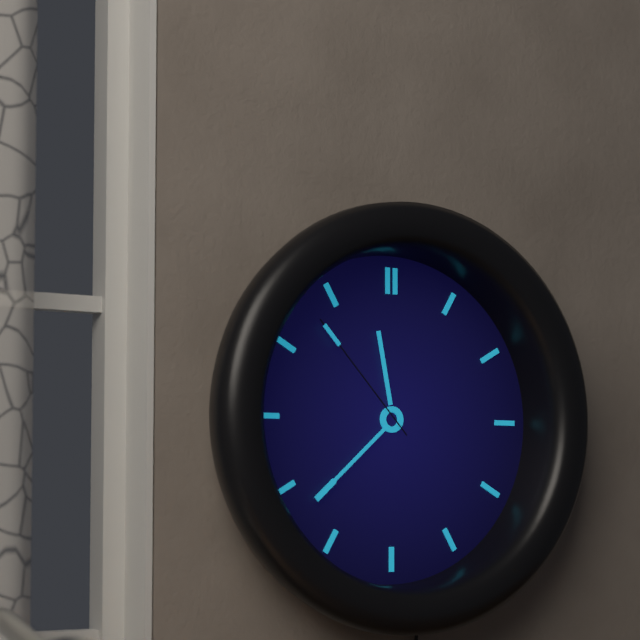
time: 11:38:53
